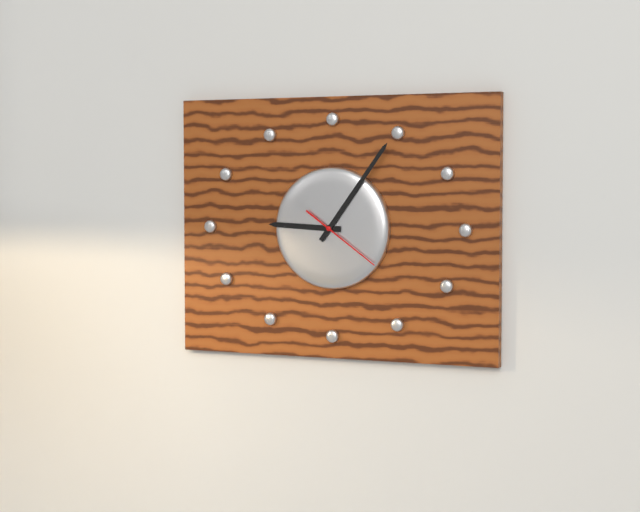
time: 9:06:21
